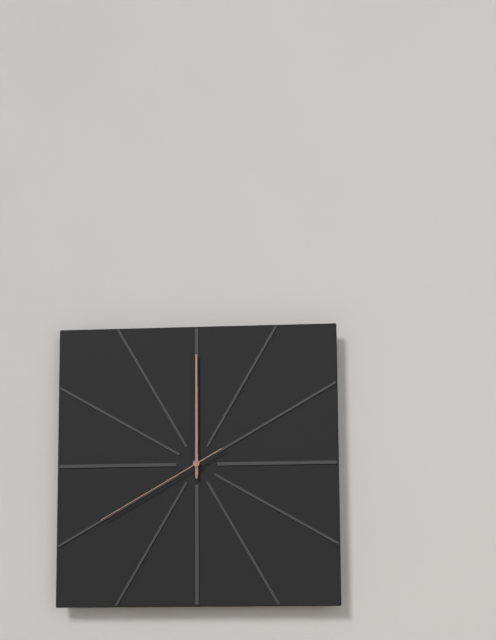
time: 12:00:40
